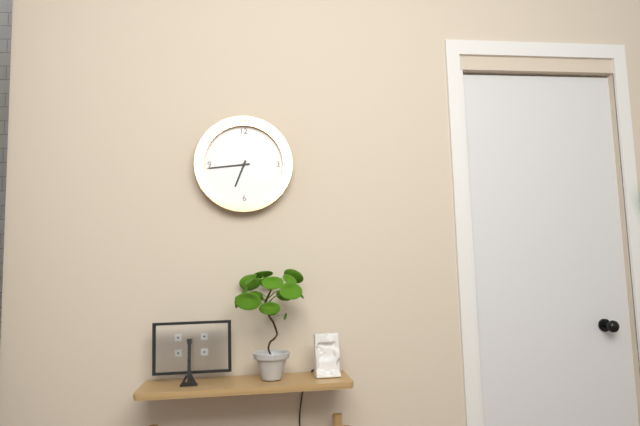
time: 6:44
